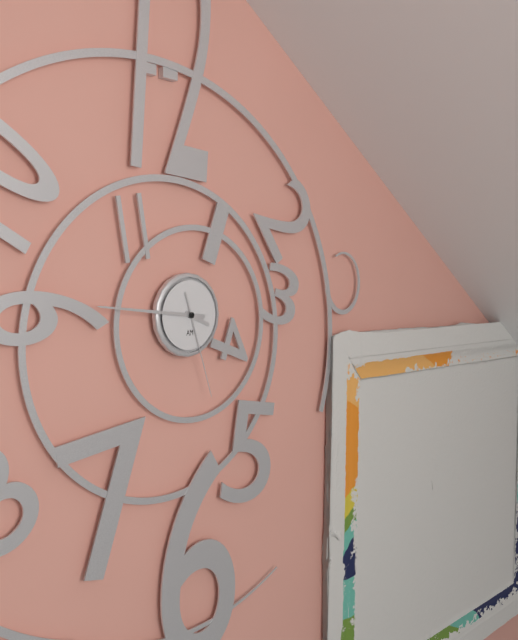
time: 3:46:27
